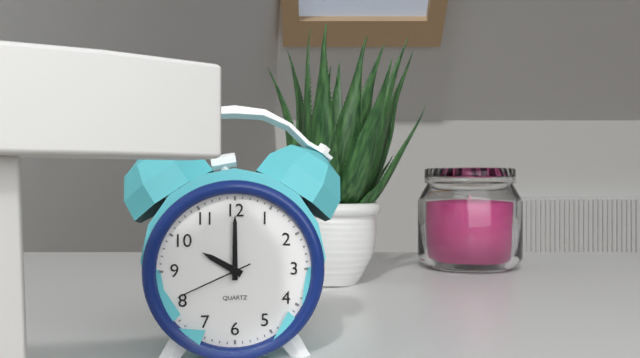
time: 10:00:41
